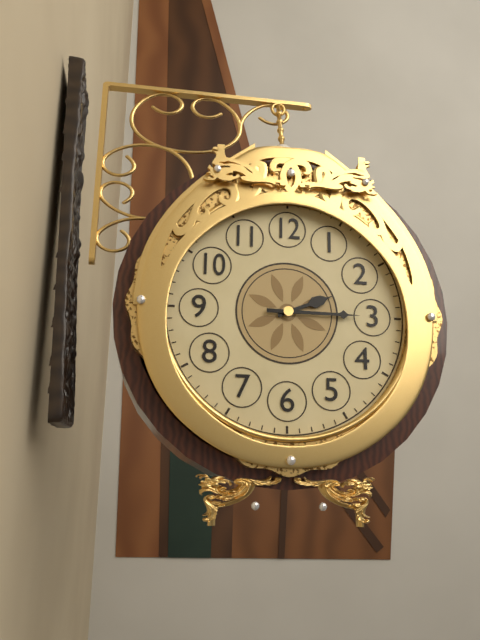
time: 2:15
